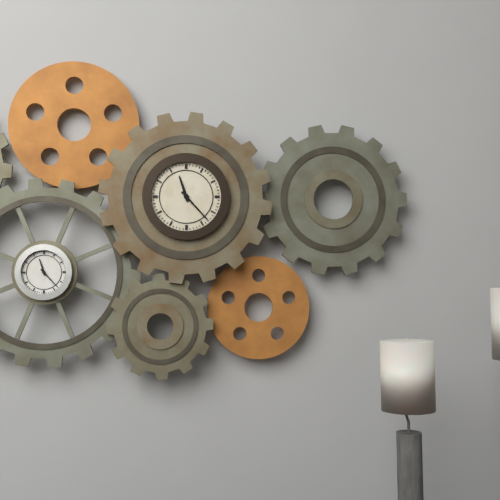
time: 11:23
